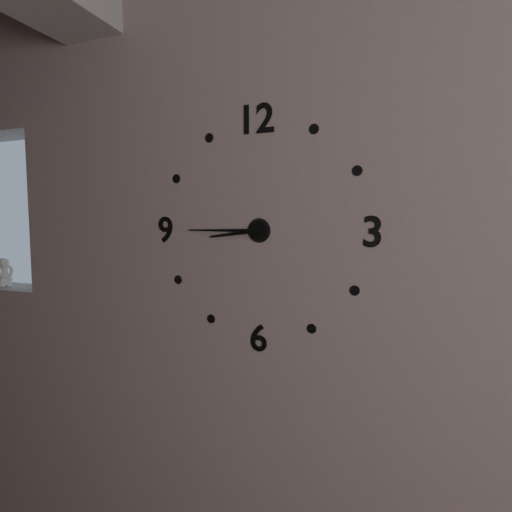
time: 8:45
